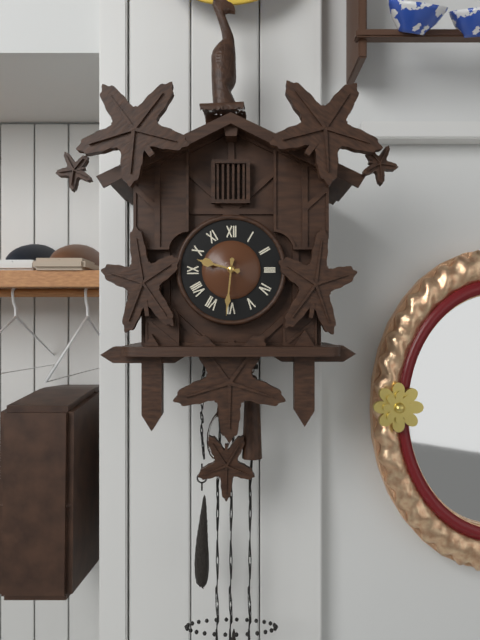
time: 9:31
